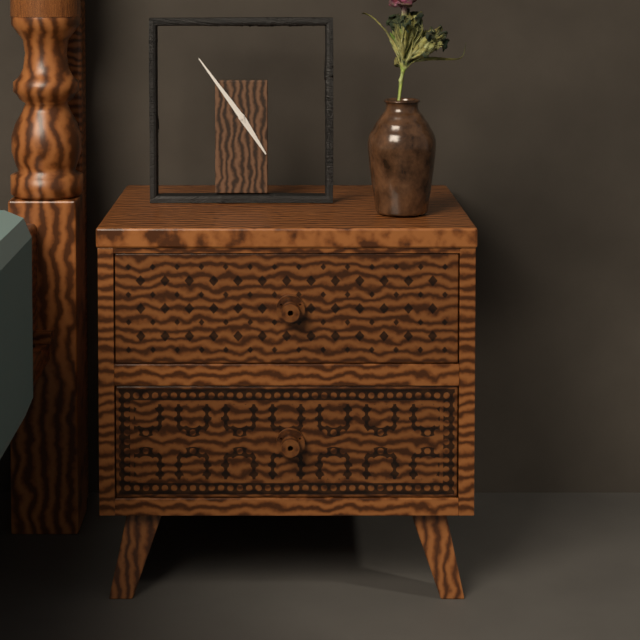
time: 4:54
